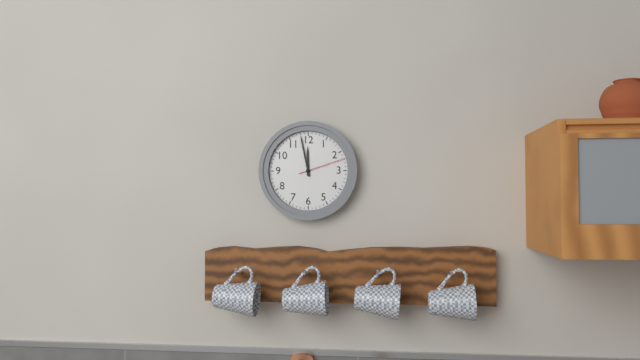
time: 11:58
